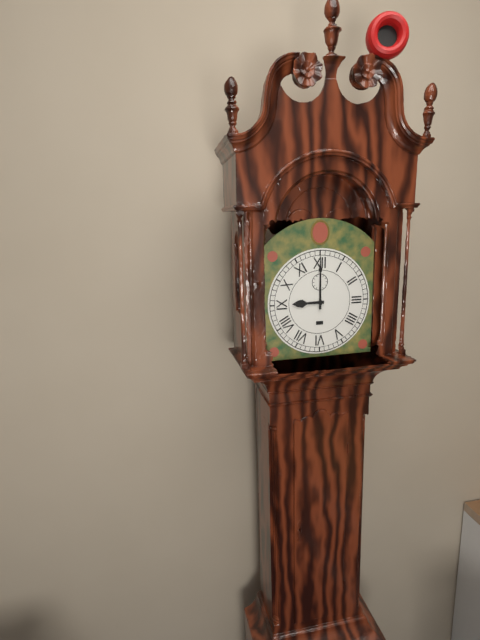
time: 9:00
